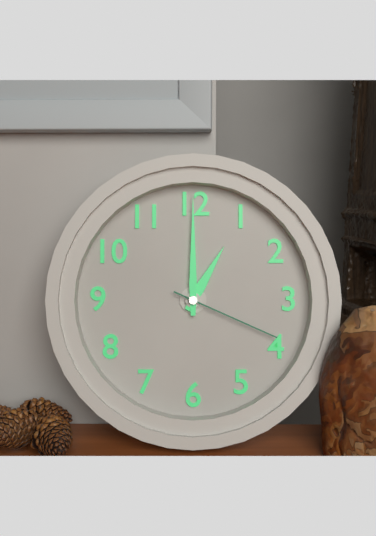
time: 1:00:19
